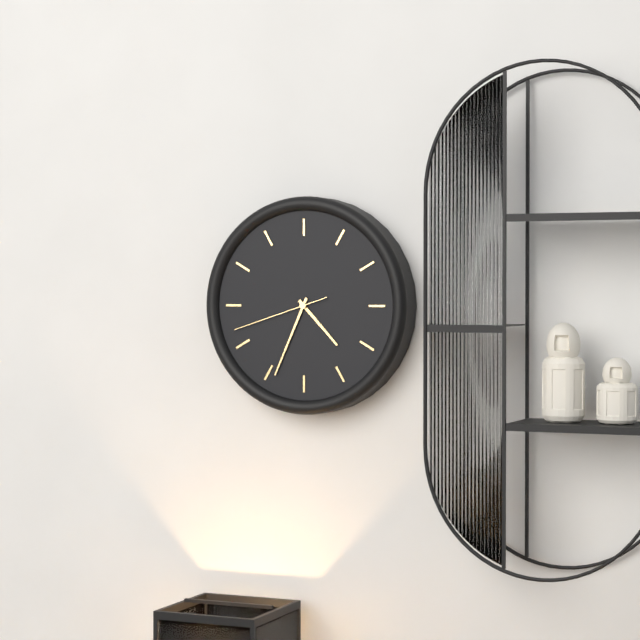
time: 4:34:42
